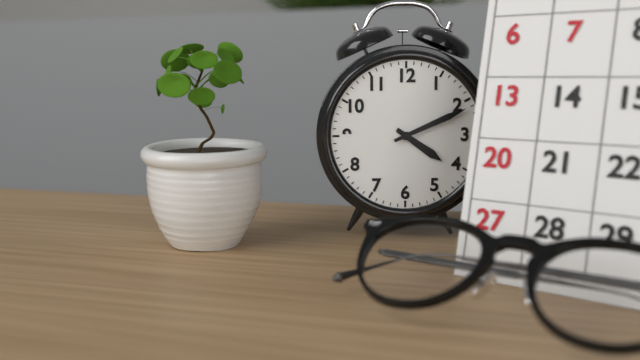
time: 4:11
